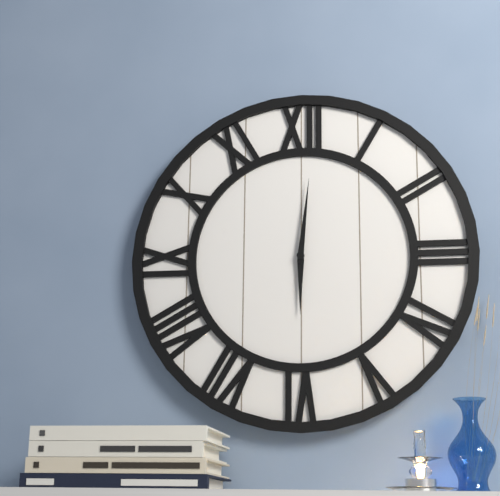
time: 6:01
